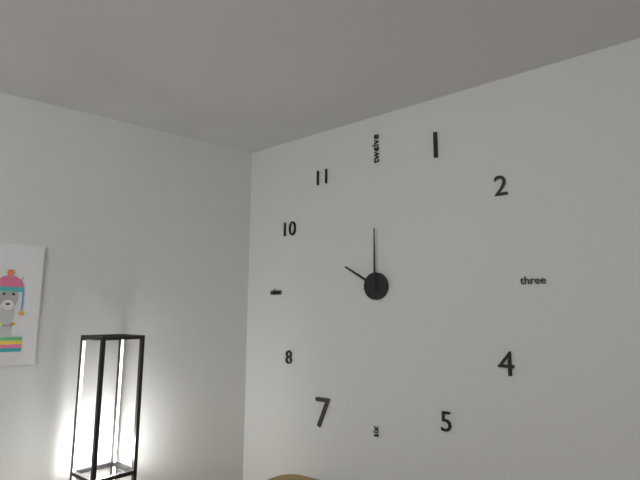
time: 10:00
